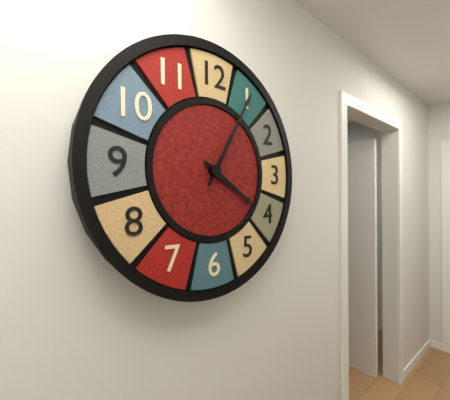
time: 4:05
